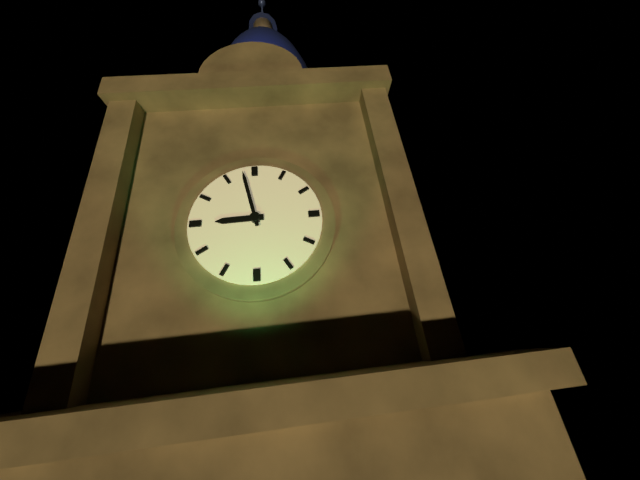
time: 8:58
